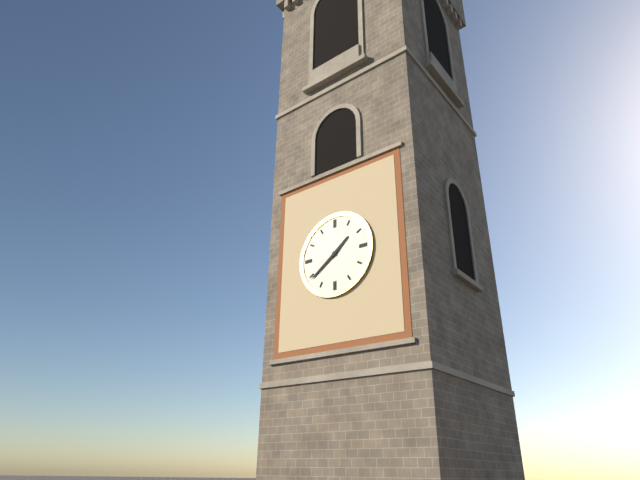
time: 1:39
